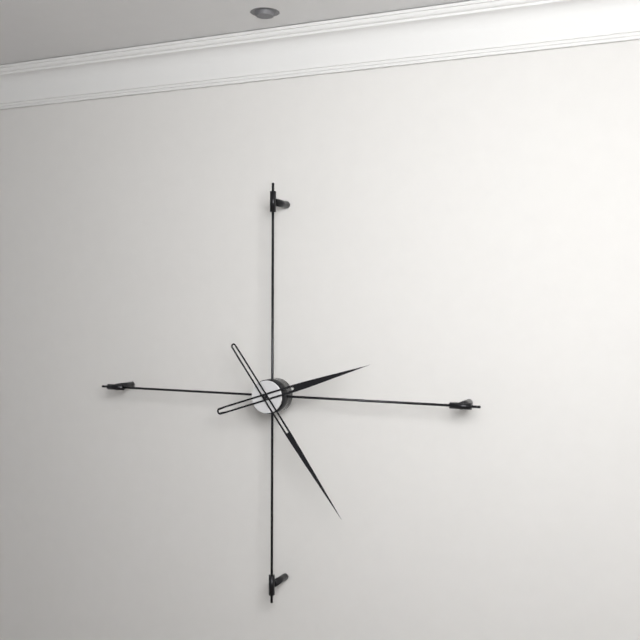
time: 2:24
